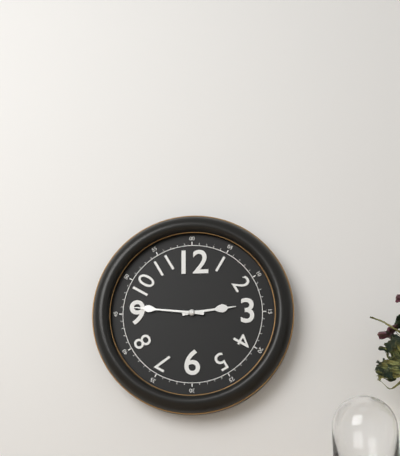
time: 2:46
